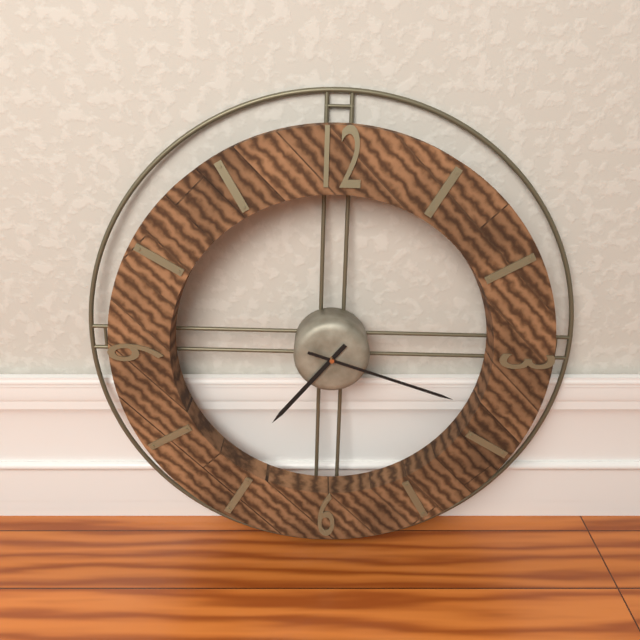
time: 7:18
